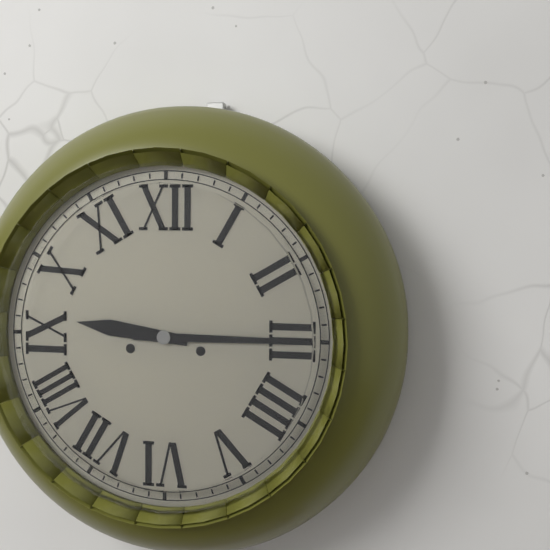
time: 9:15
